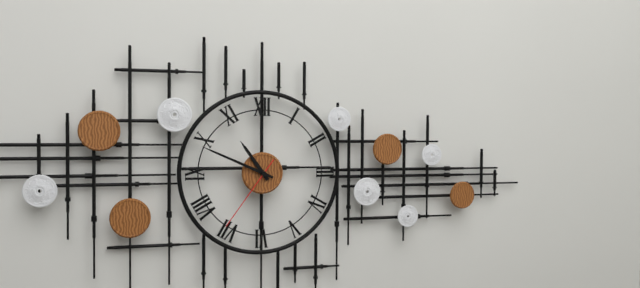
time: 10:49:36
